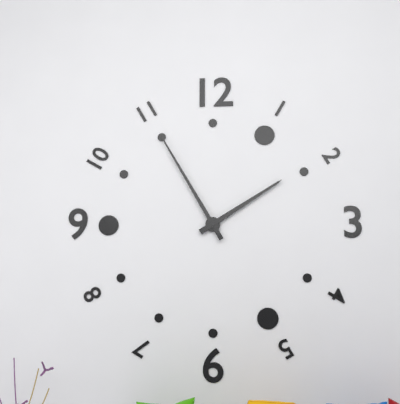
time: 1:55
